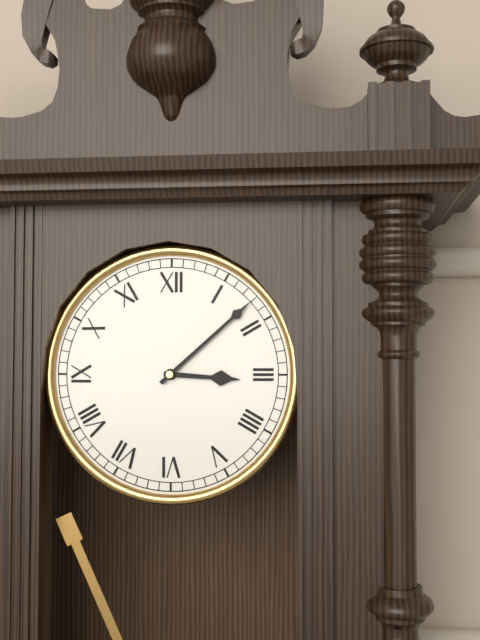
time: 3:08
